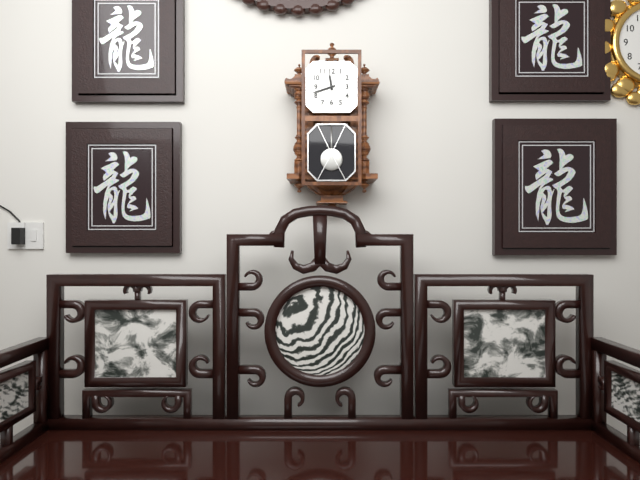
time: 11:42
